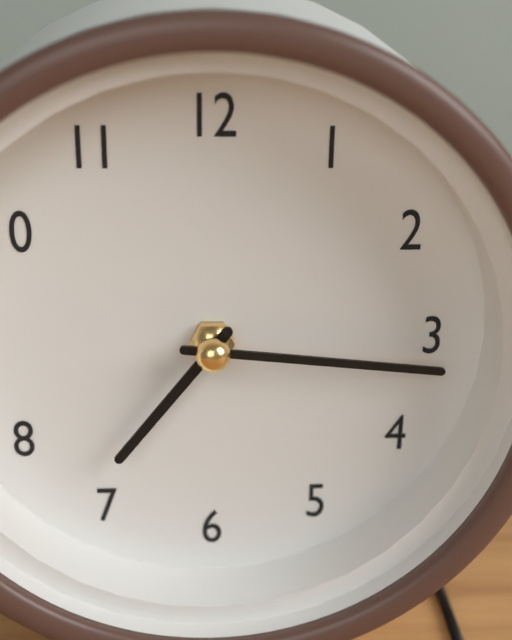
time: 7:16
